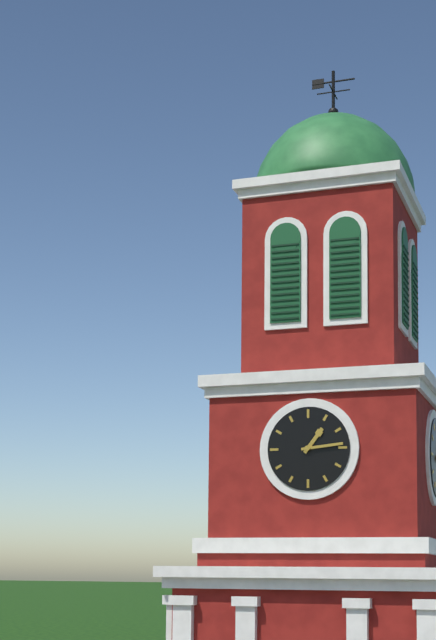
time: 1:14
